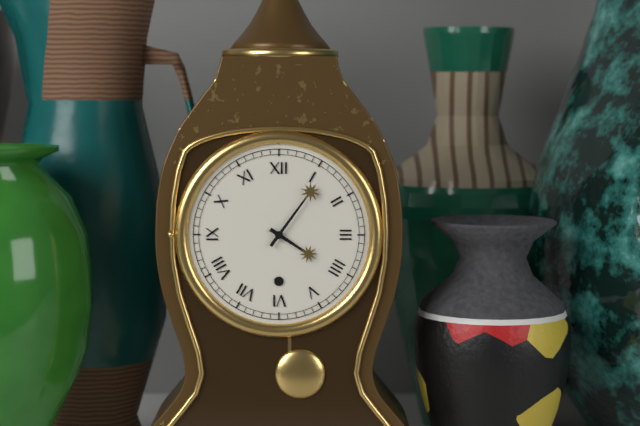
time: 4:06
